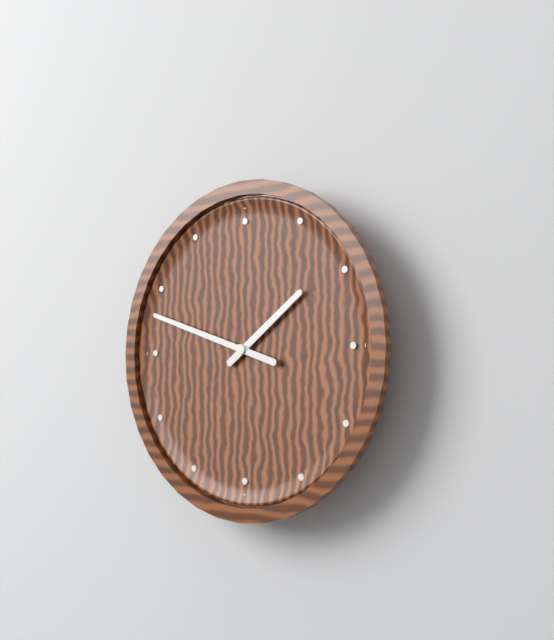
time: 1:48
